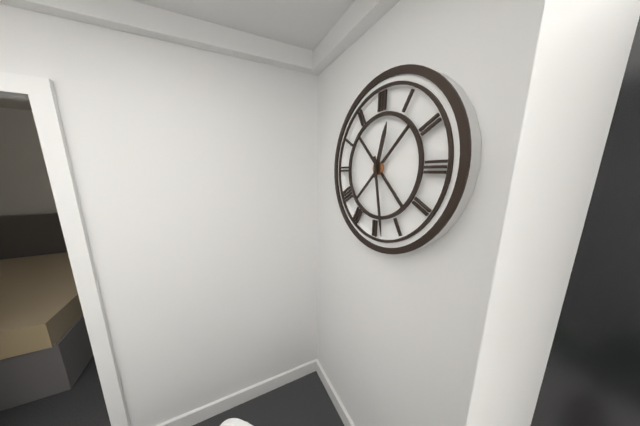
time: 12:28
